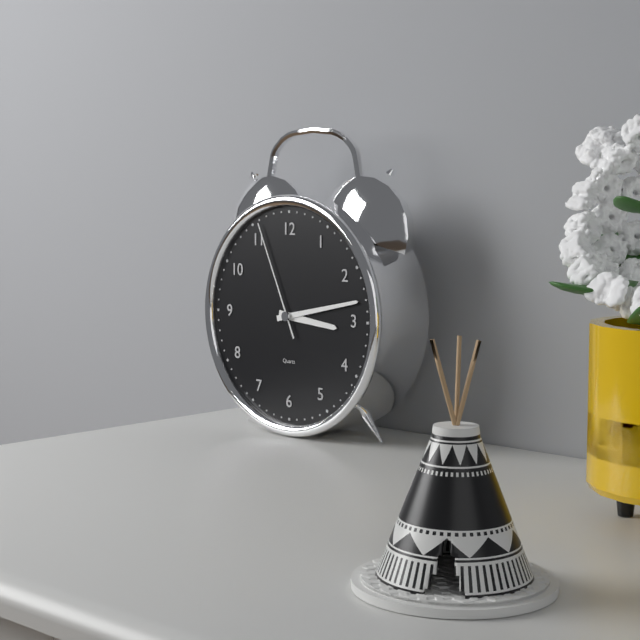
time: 3:13:56
